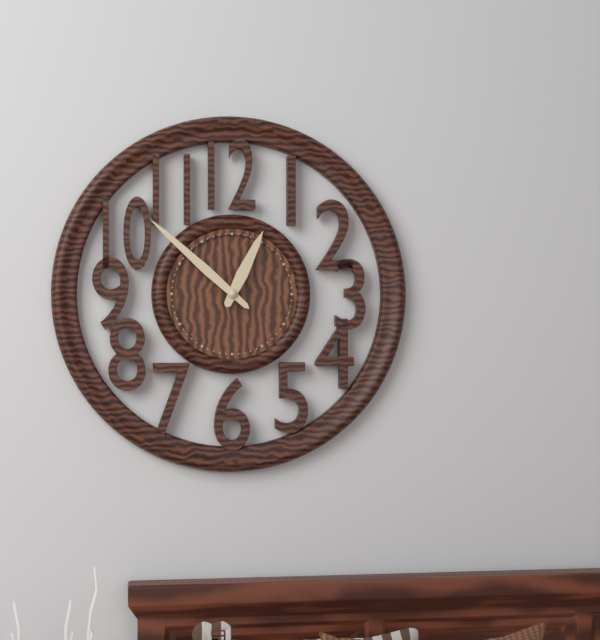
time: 12:52
